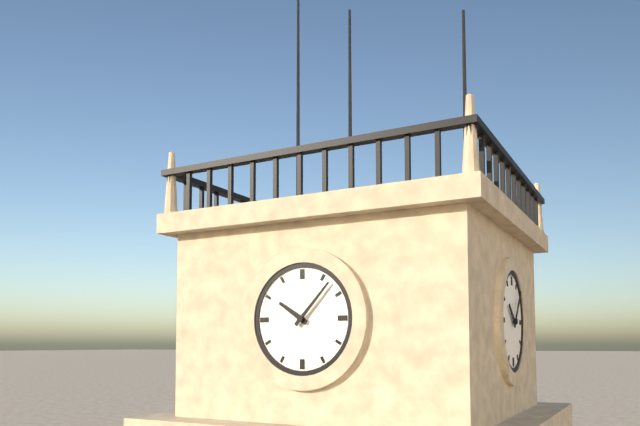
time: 10:07
